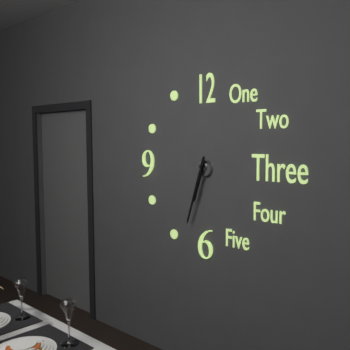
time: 6:33
